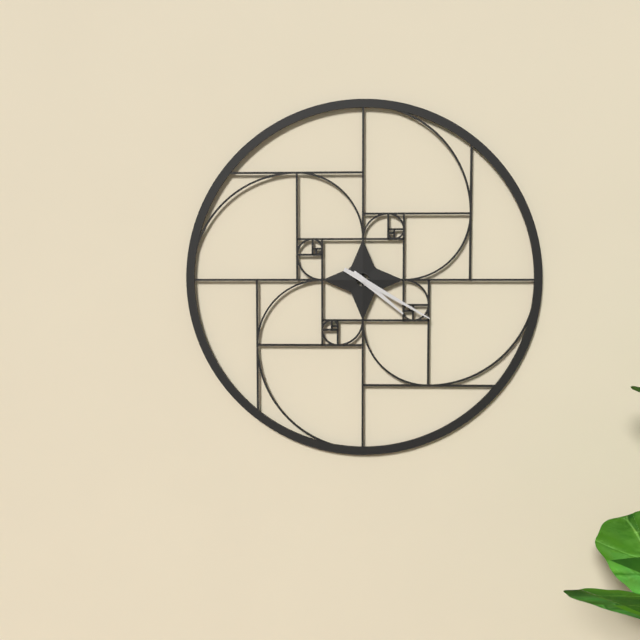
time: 4:20
